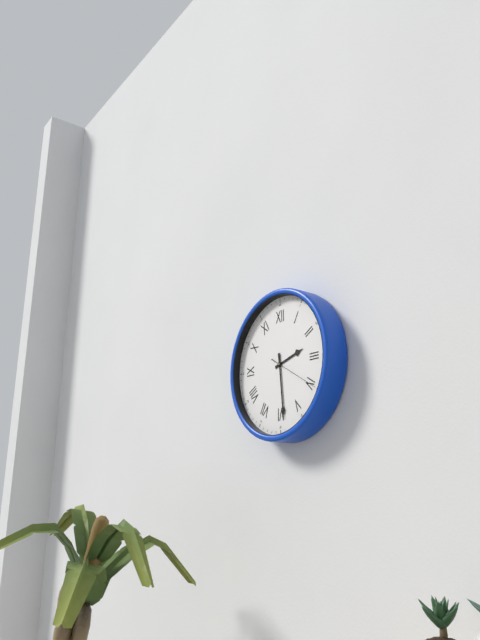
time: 2:29:20
